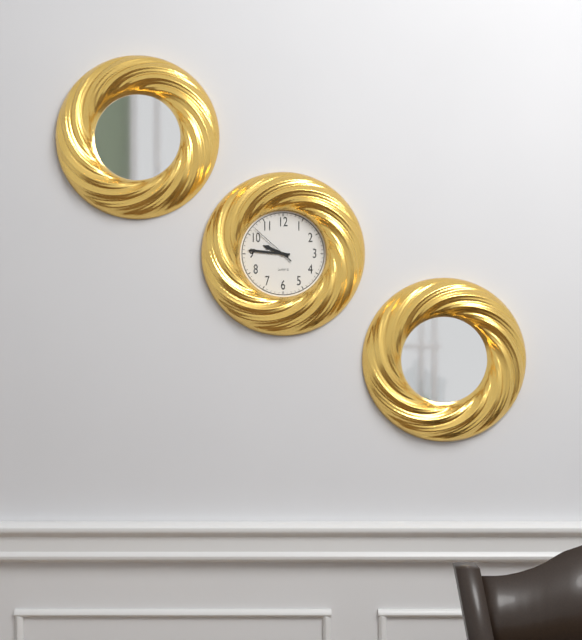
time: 9:46
